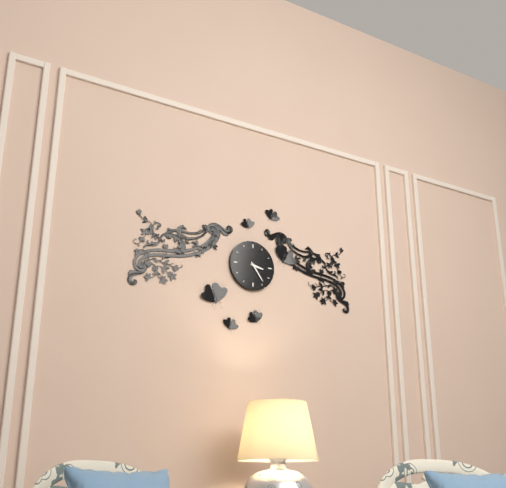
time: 3:24
